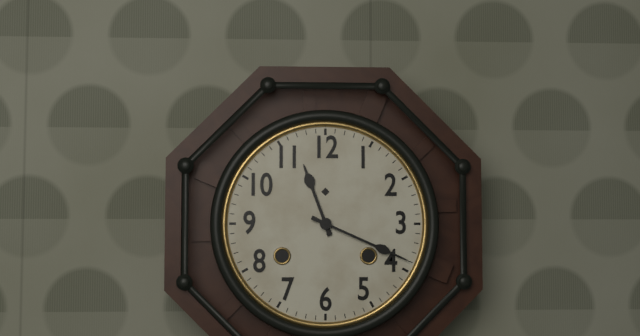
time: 11:19
